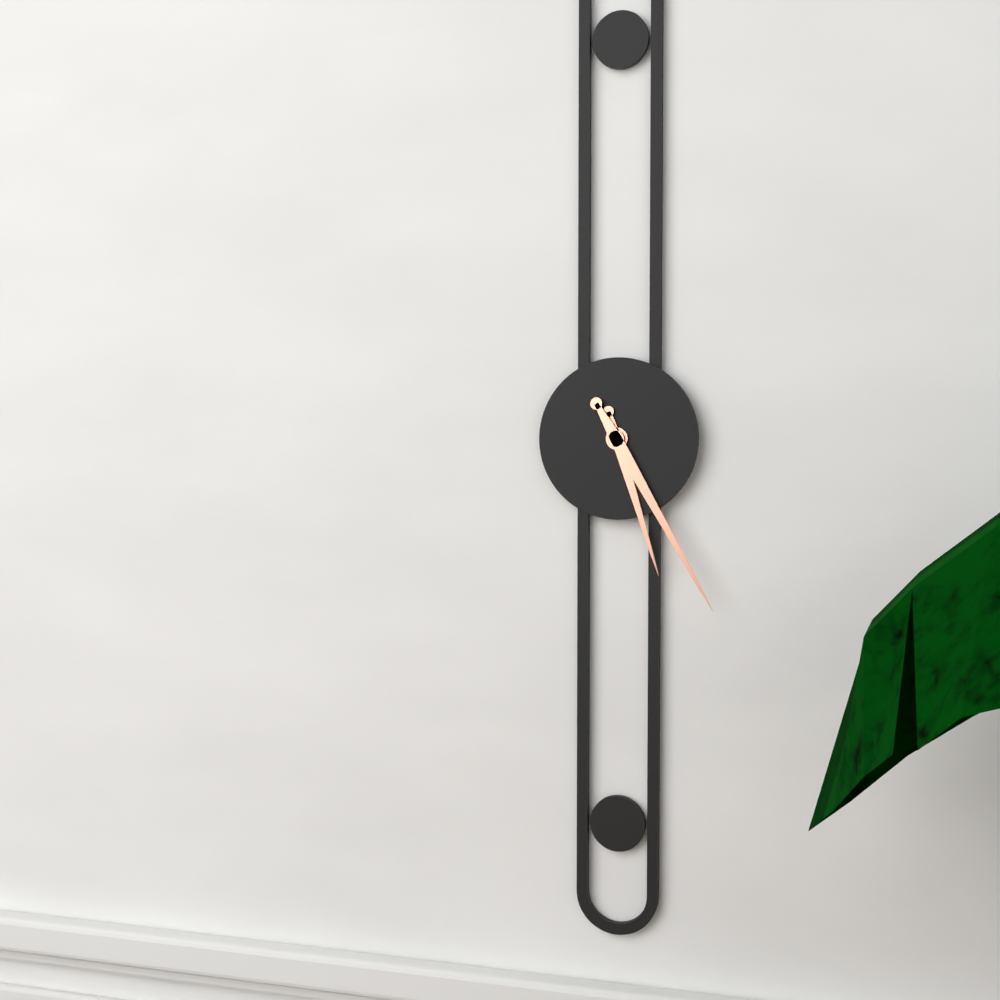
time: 5:25
